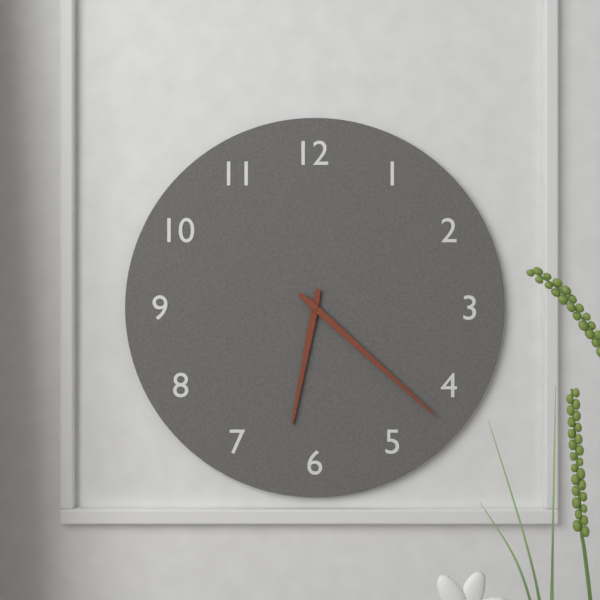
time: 6:22
